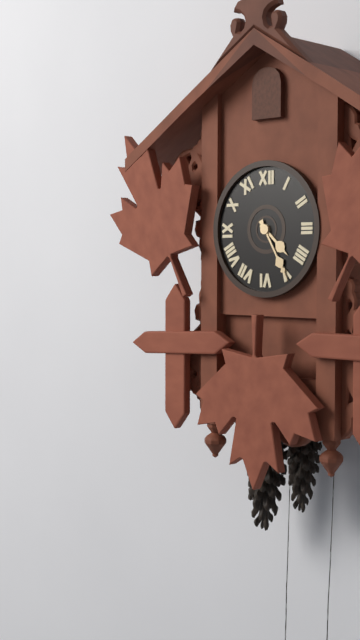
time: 4:25
